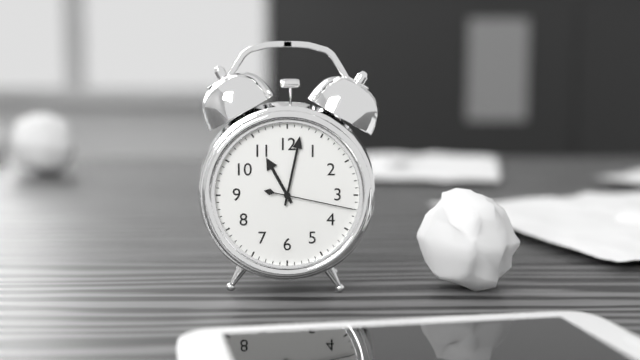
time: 11:02:17
